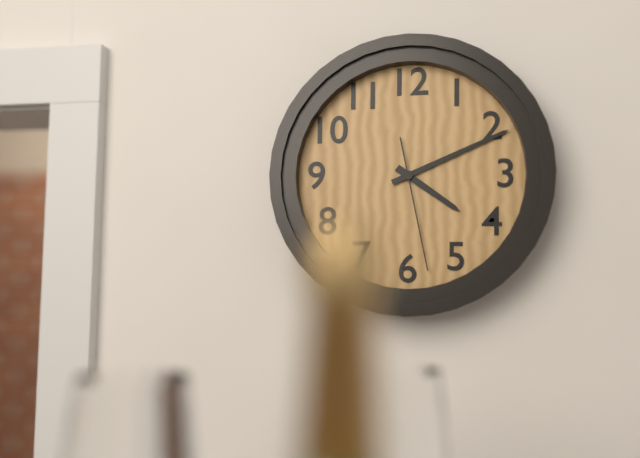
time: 4:11:28
